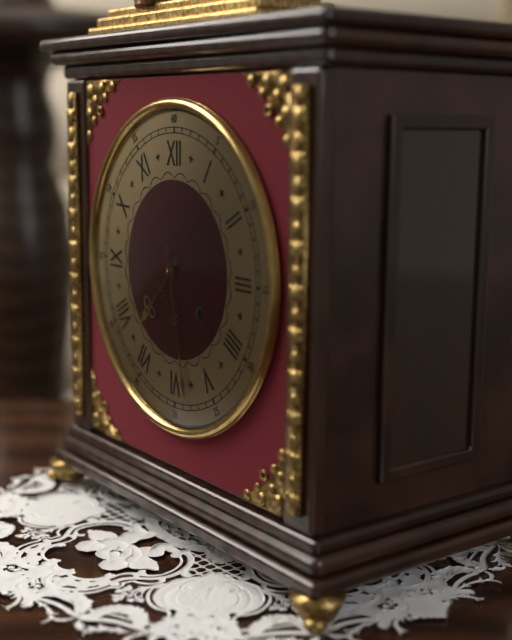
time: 7:28
